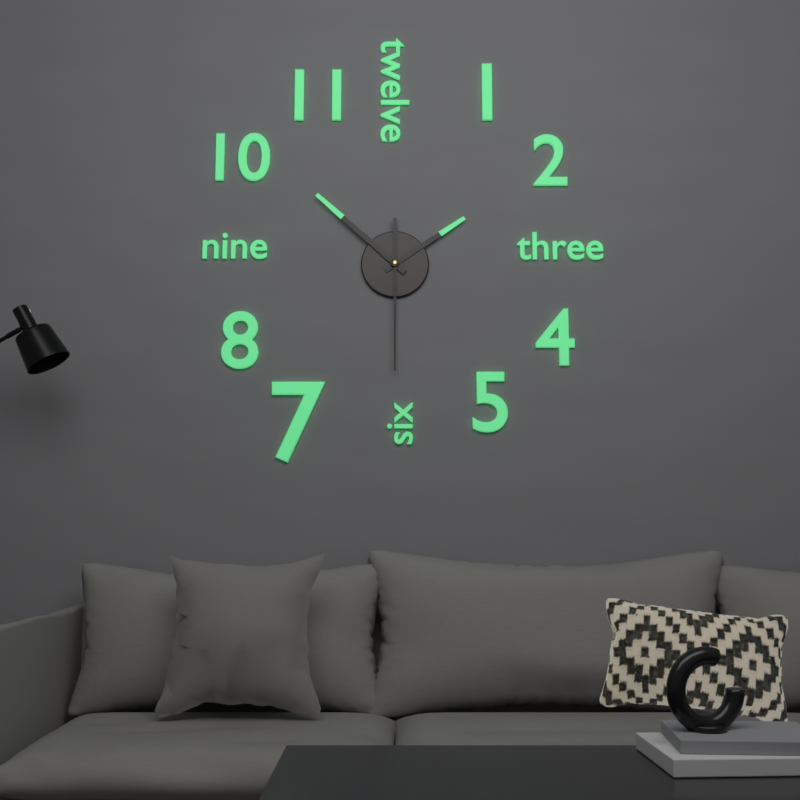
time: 1:52:30
